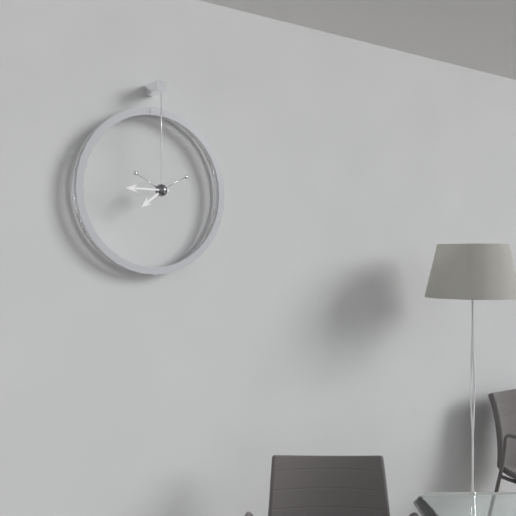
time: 7:45
